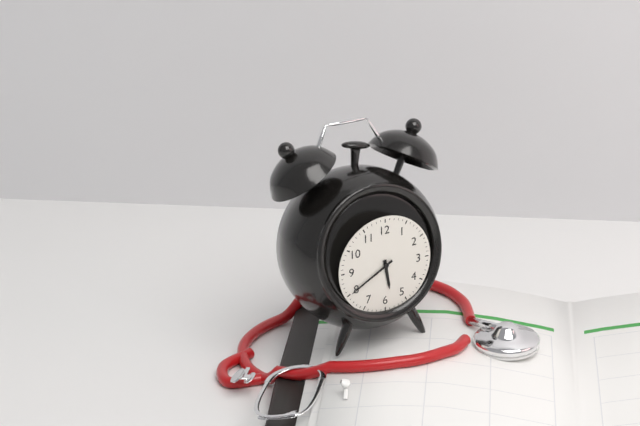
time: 5:40
